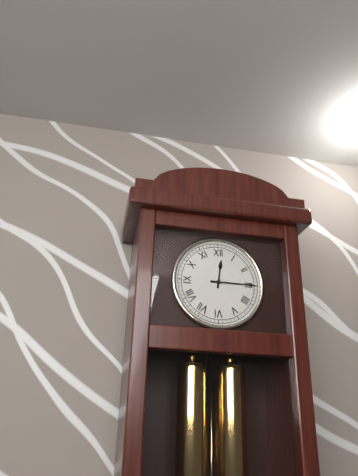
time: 12:15
